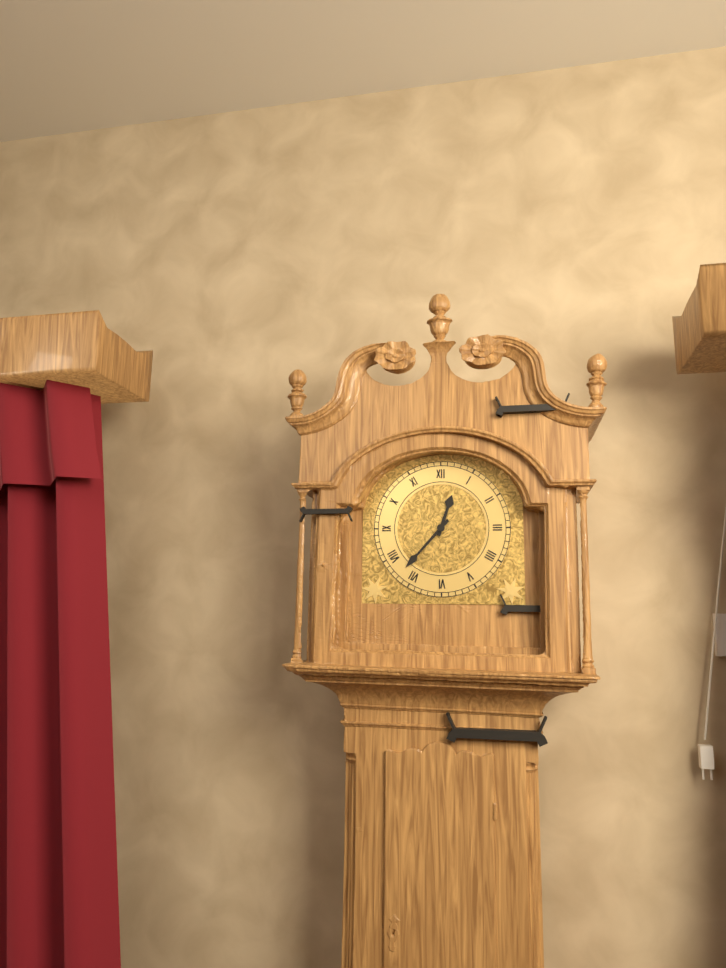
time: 12:37
